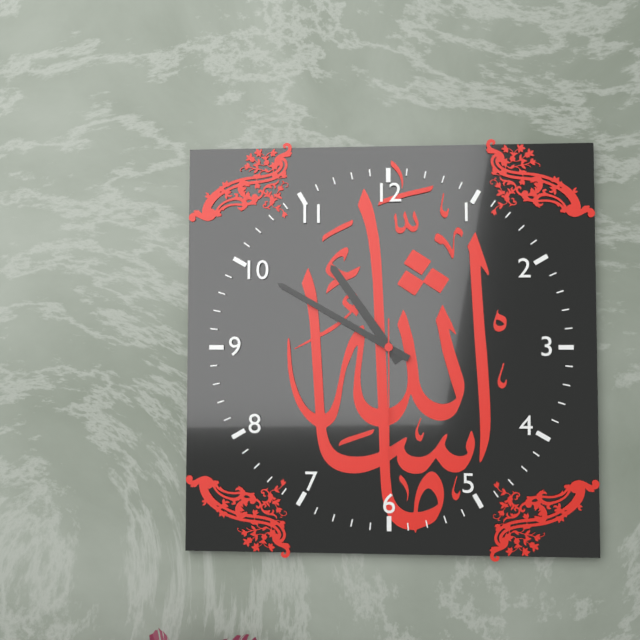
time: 10:50:30
